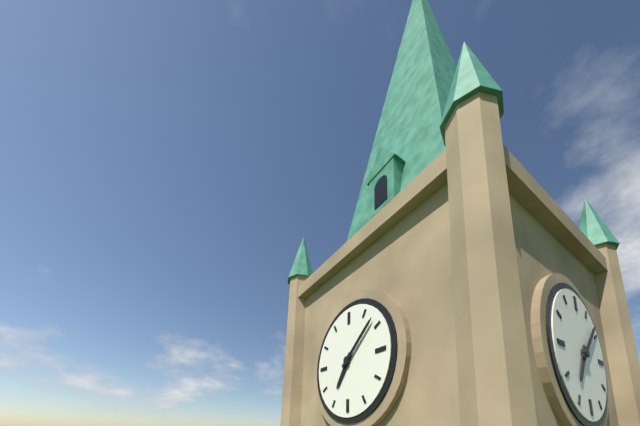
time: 7:08
